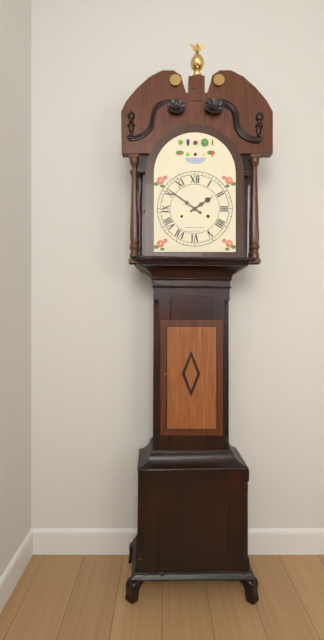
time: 1:51
